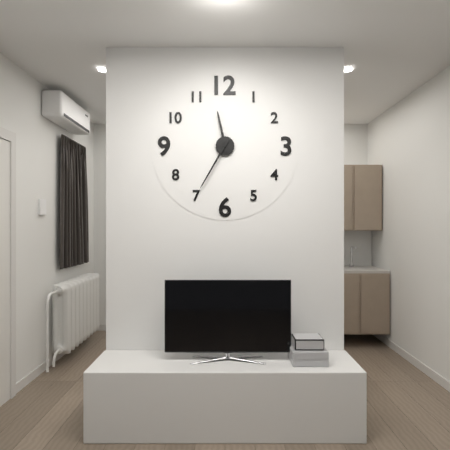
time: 11:35
